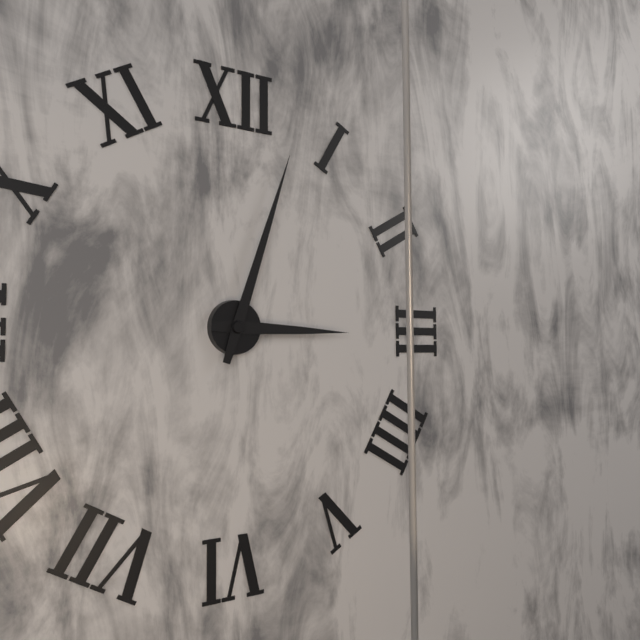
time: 3:03
